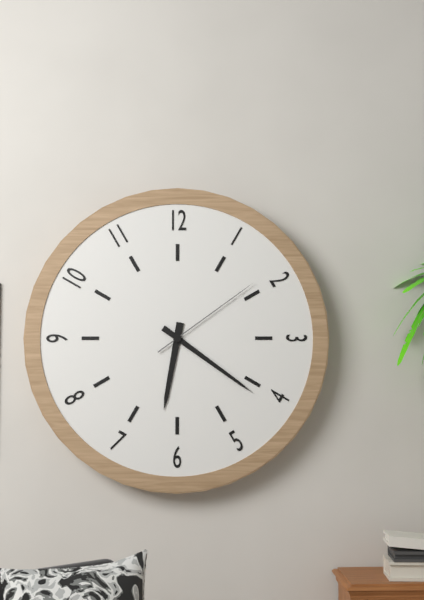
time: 6:21:09
